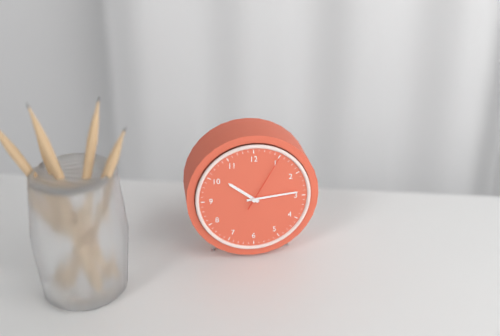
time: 10:14:05
